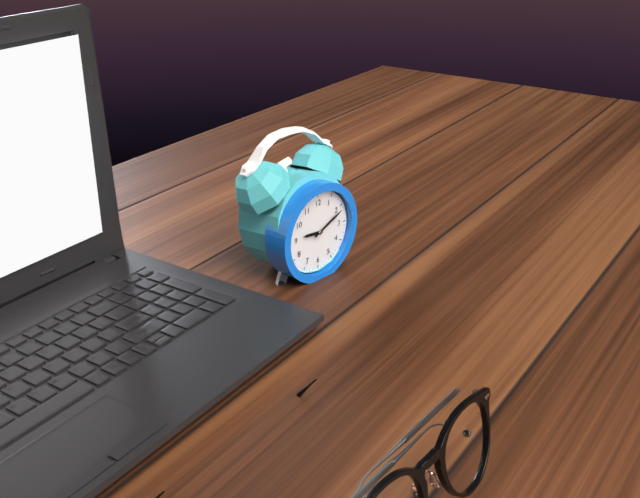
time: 9:11
